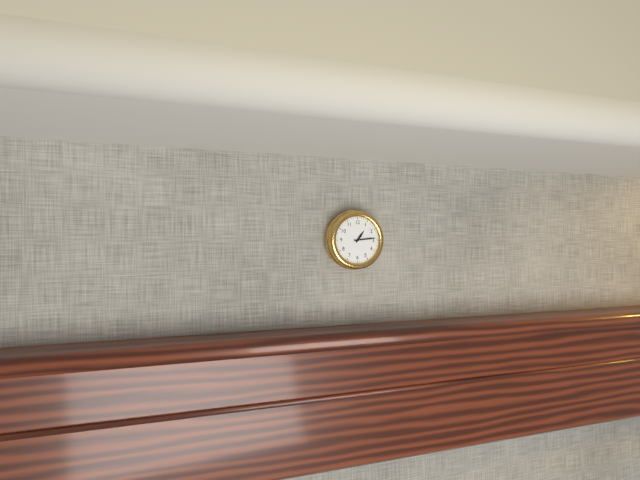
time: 1:14
